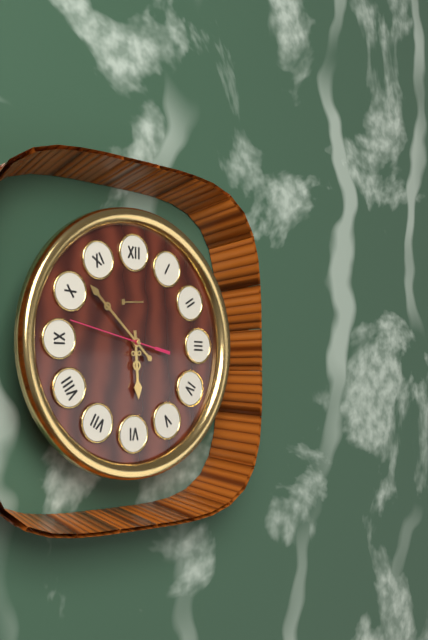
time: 5:52:47
